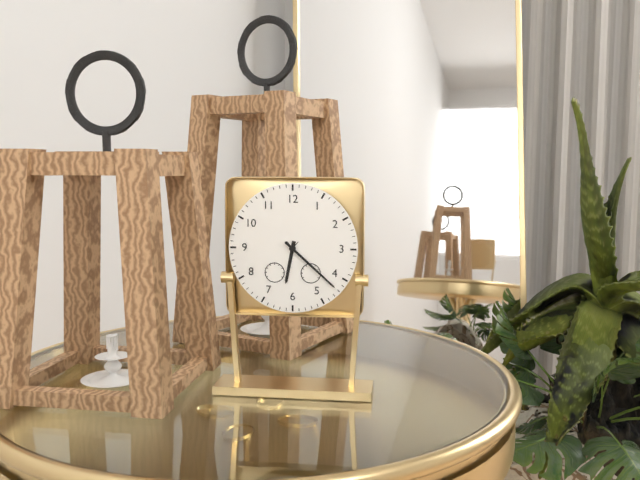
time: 6:22
